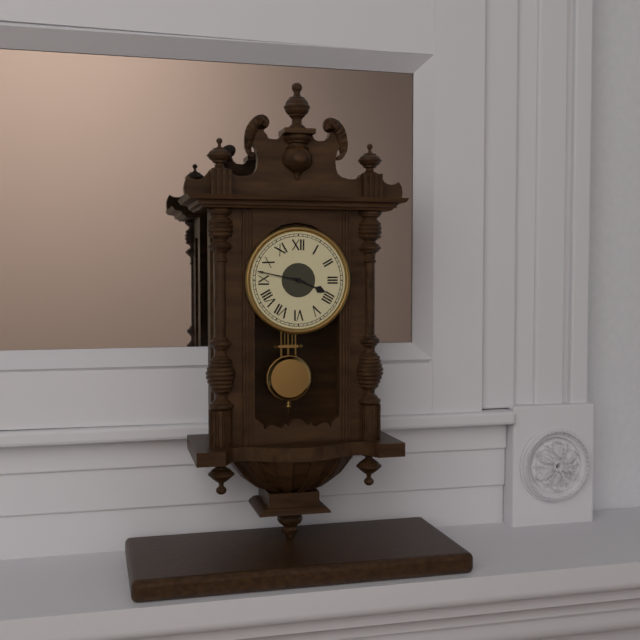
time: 3:47
